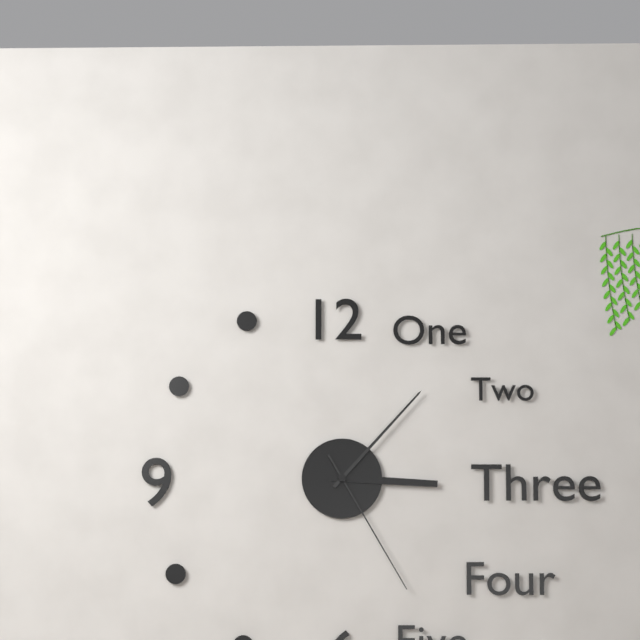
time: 3:07:25
